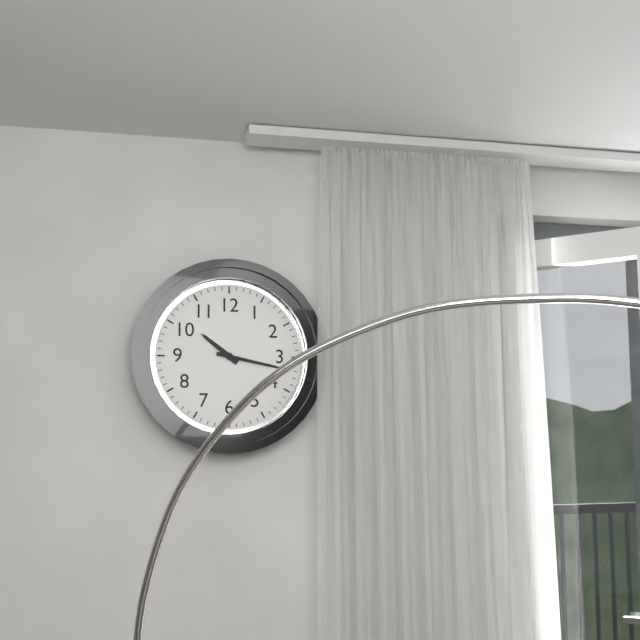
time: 10:17
